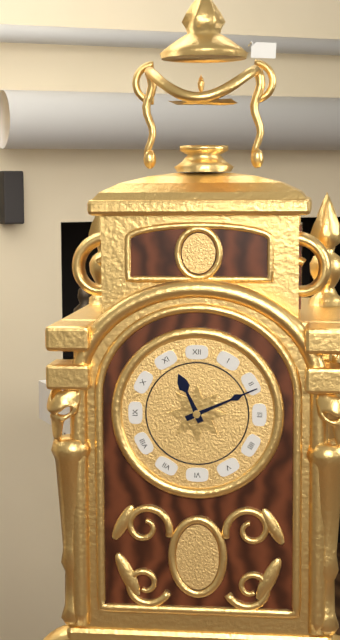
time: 11:11
